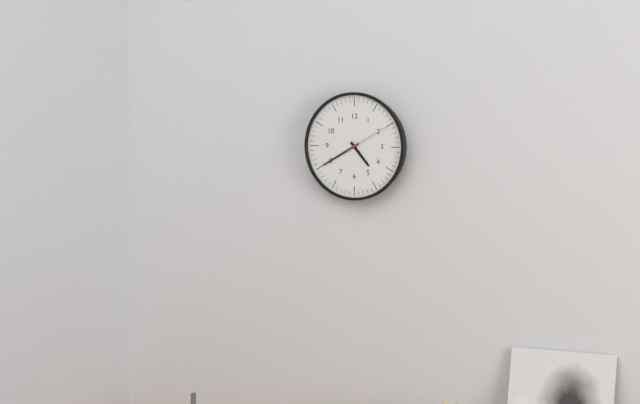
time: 4:40:10
